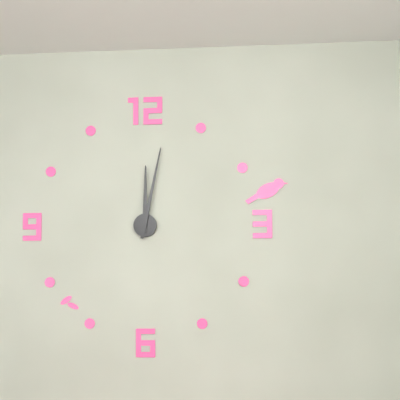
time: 12:02
